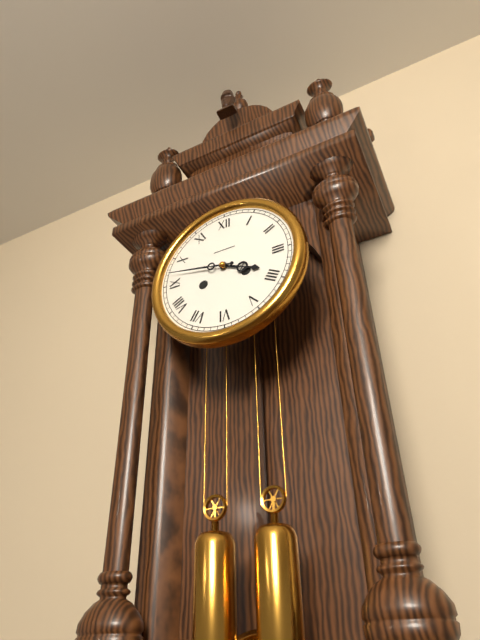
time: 3:47
